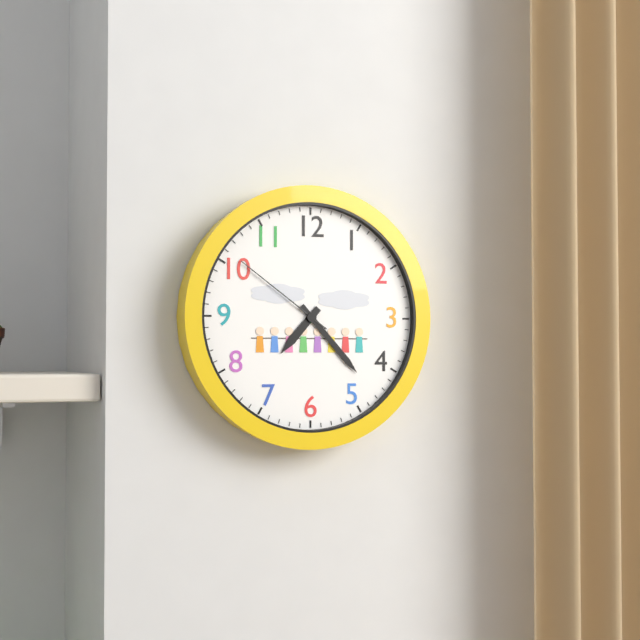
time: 7:23:51
